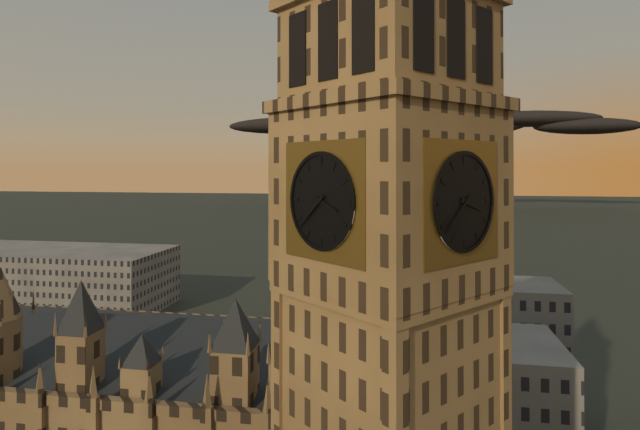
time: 3:38
